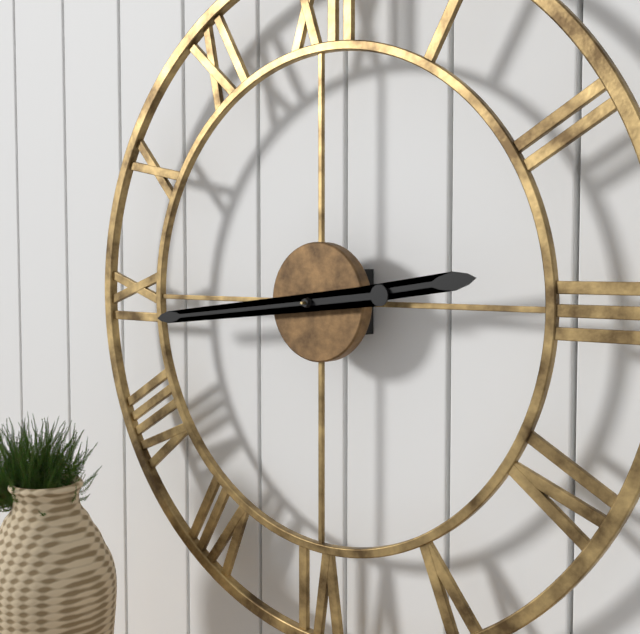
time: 2:44
